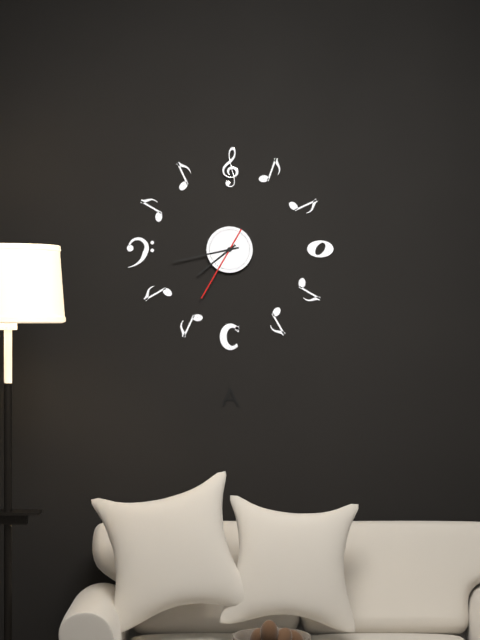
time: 7:43:35
